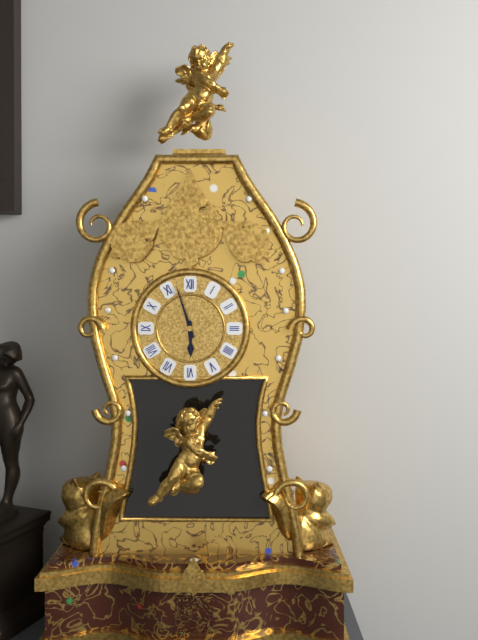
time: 5:57
